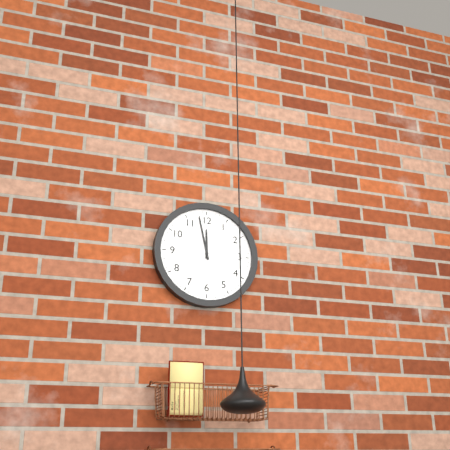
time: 11:58
